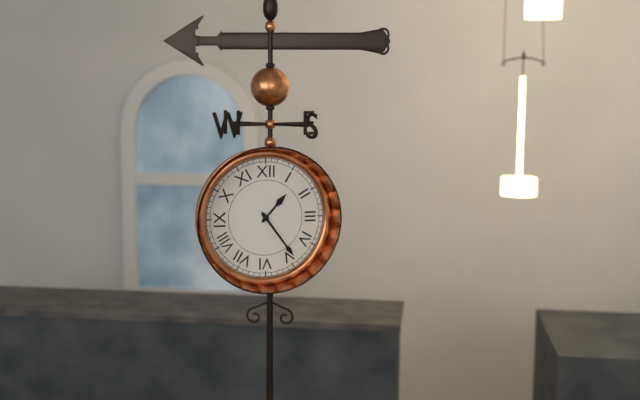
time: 1:24
